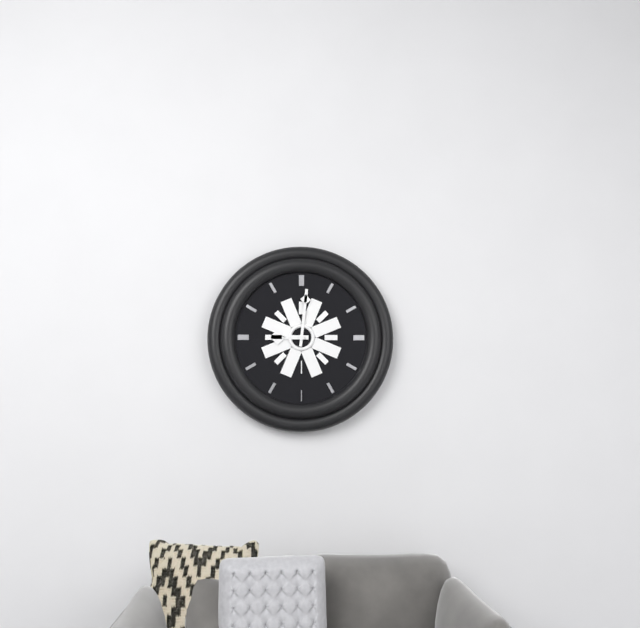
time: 9:01
